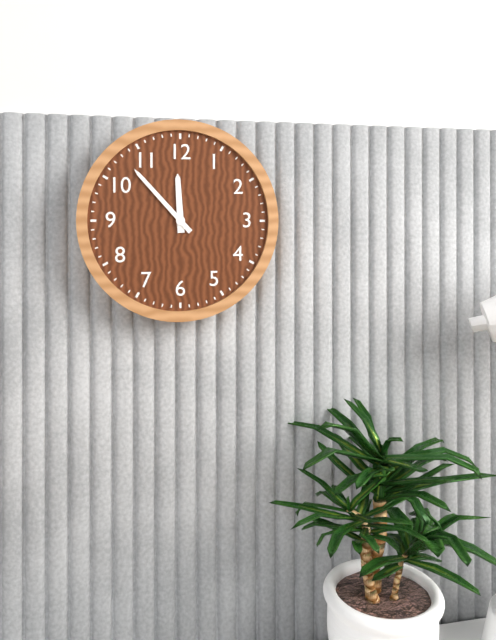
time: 11:53
